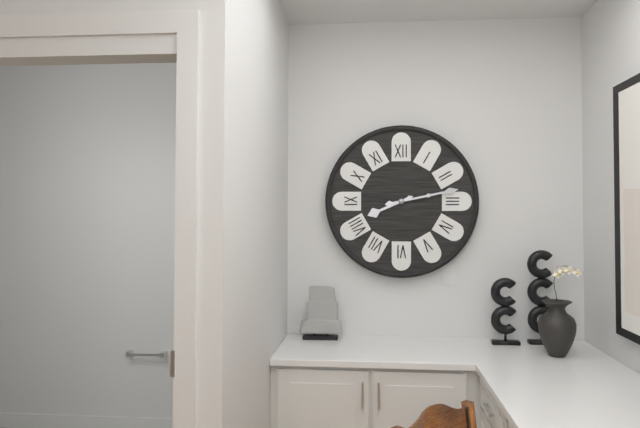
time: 8:13
